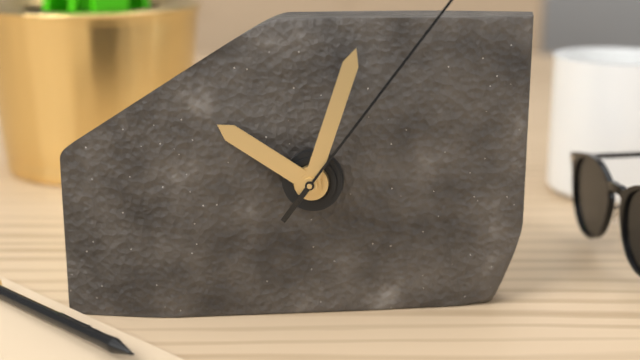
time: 10:03
